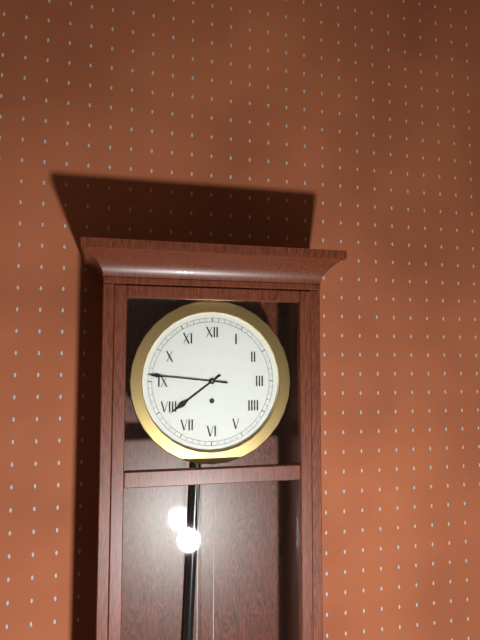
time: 7:46
